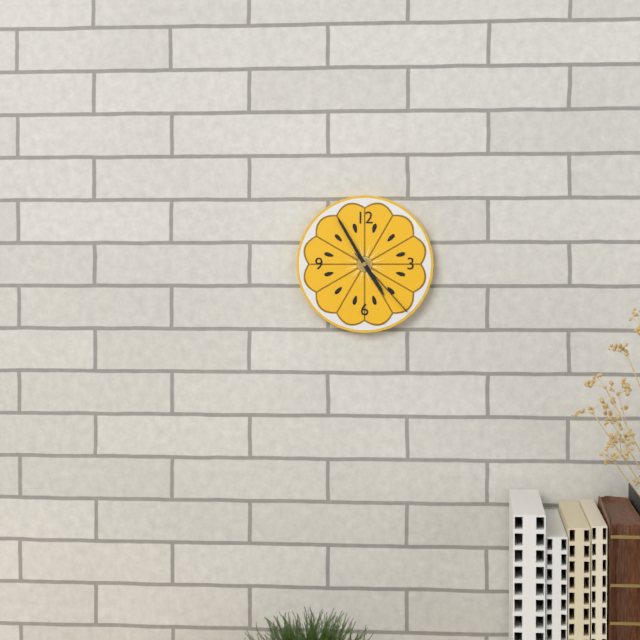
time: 4:55:23
